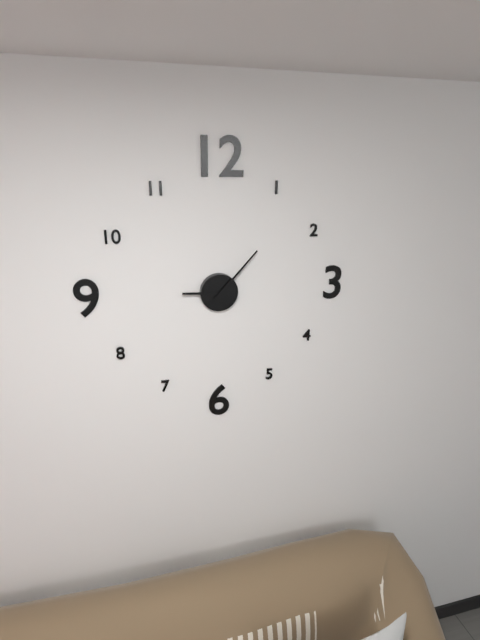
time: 9:07
